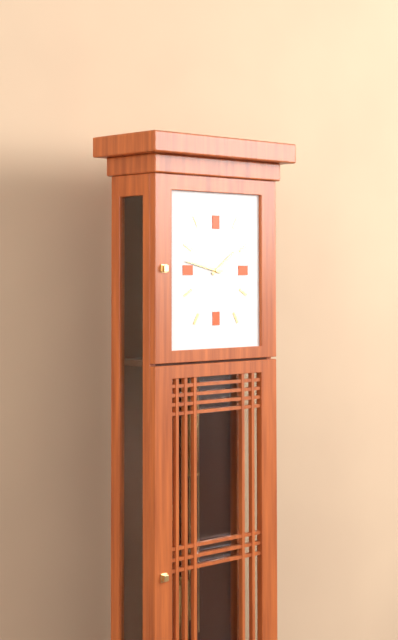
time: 1:47
